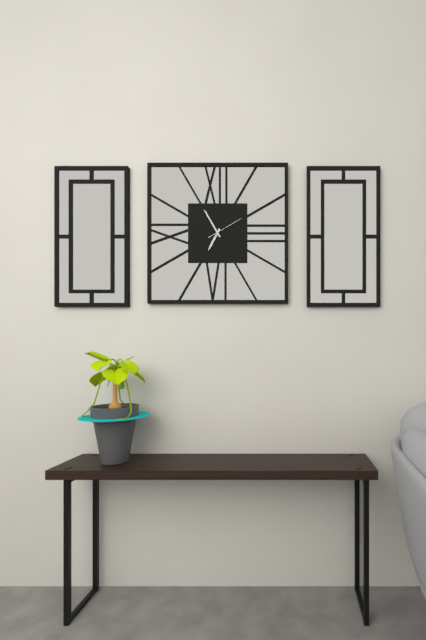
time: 6:55
